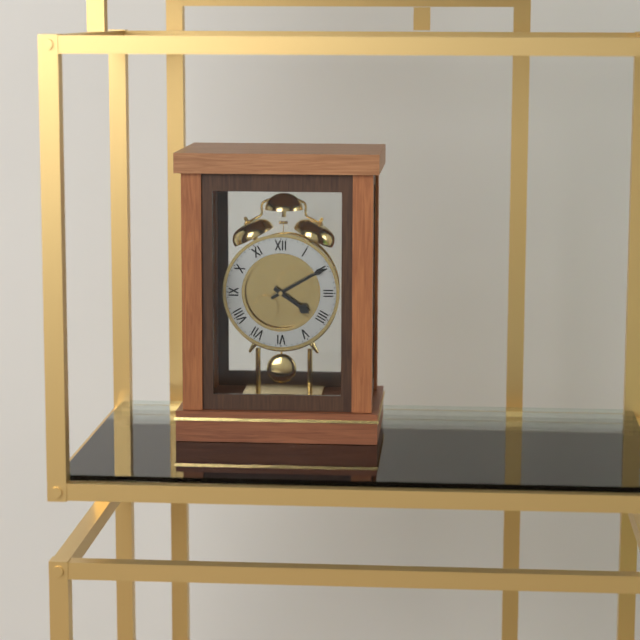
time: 4:10
